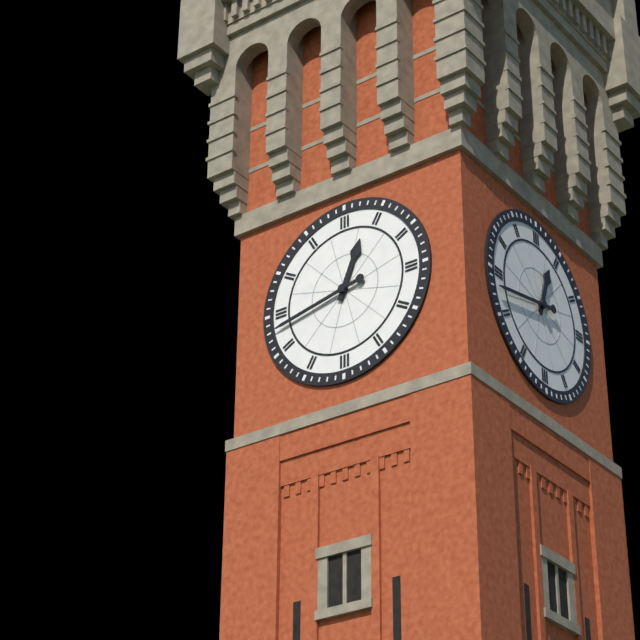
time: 12:43
